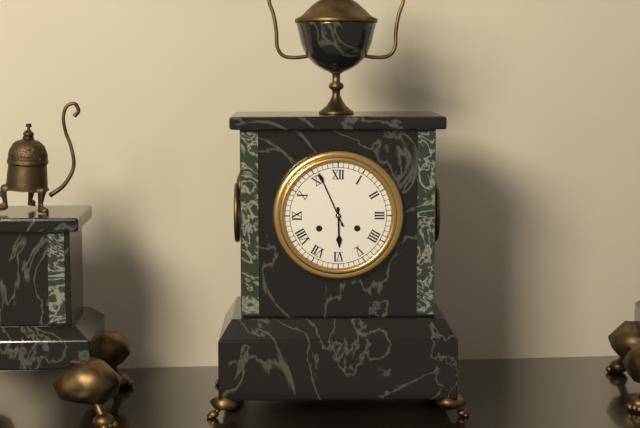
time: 5:56
